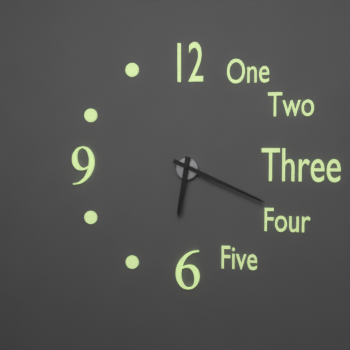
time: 6:19
